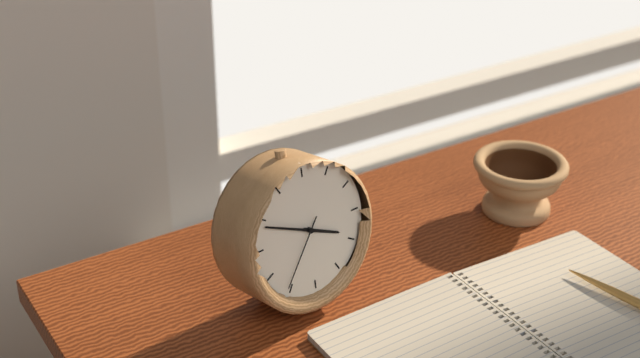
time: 3:49:36
